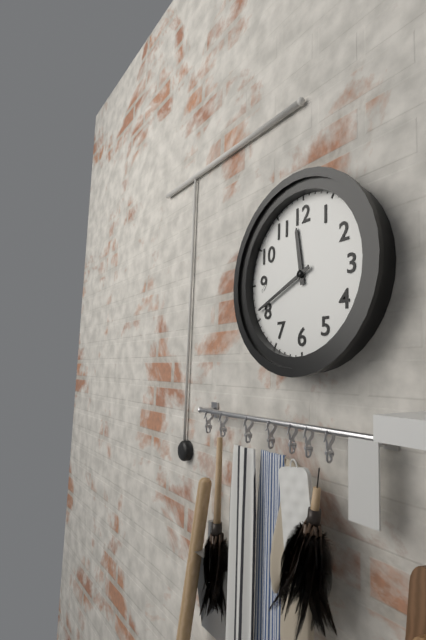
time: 11:41
